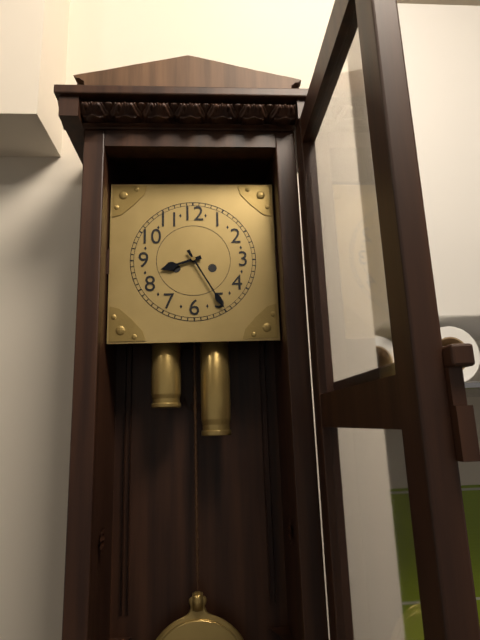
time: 8:25
